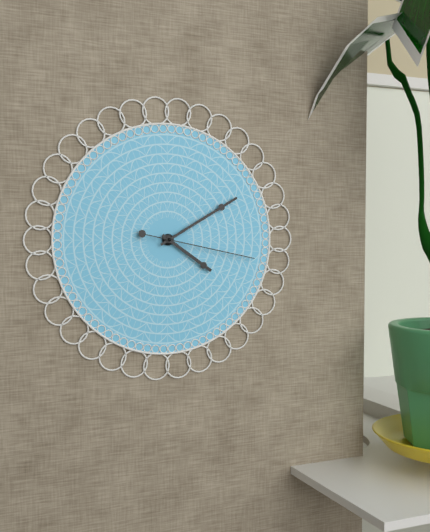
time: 4:10:17
